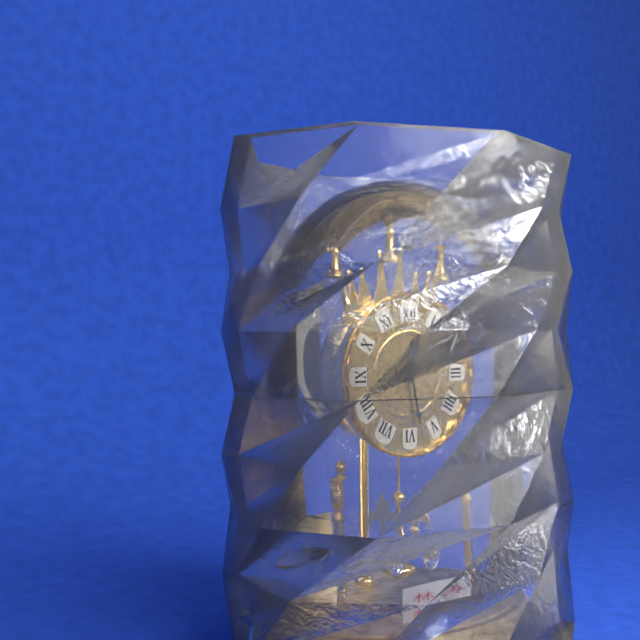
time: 12:28
